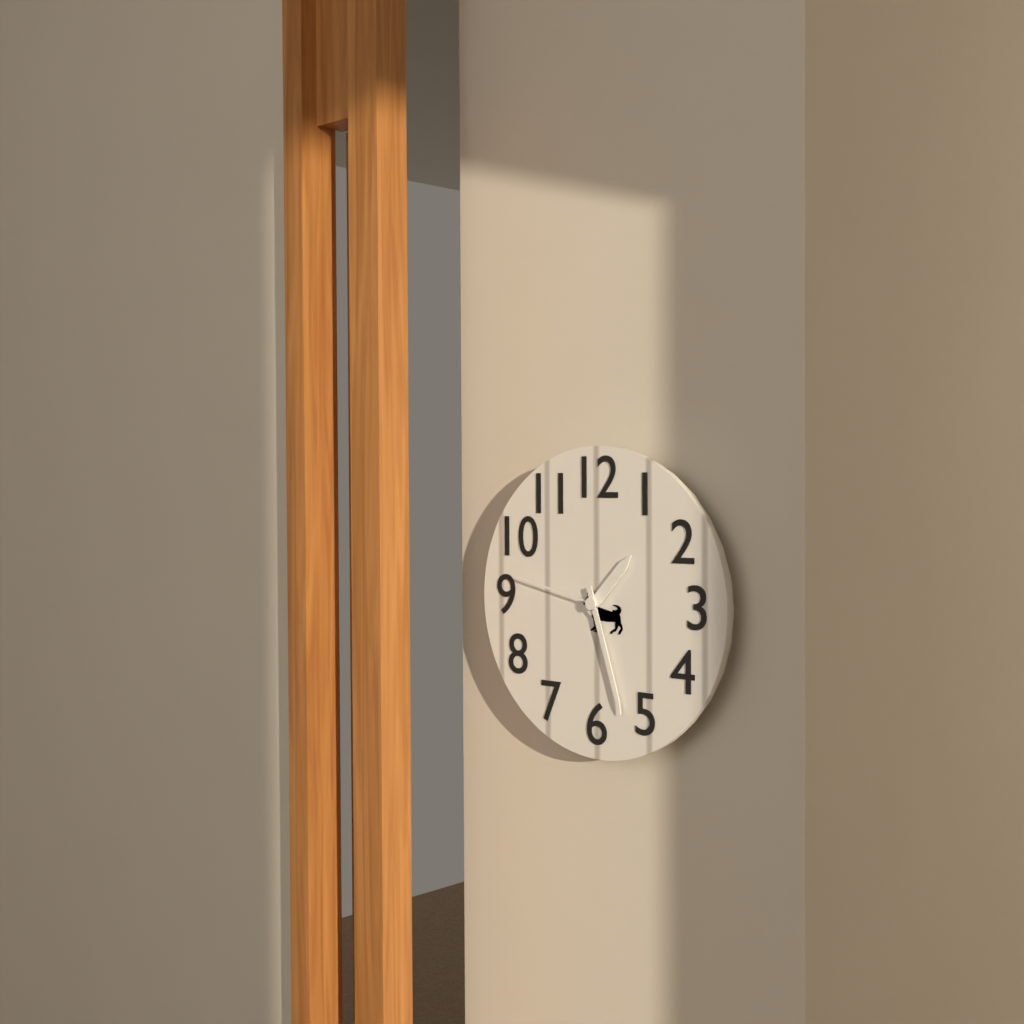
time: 1:27:47
